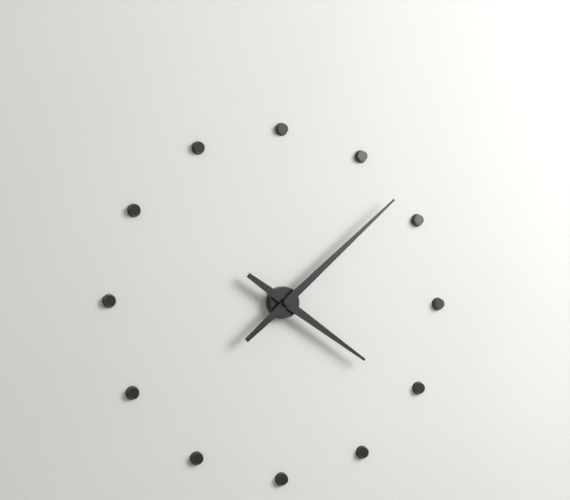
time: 4:08
